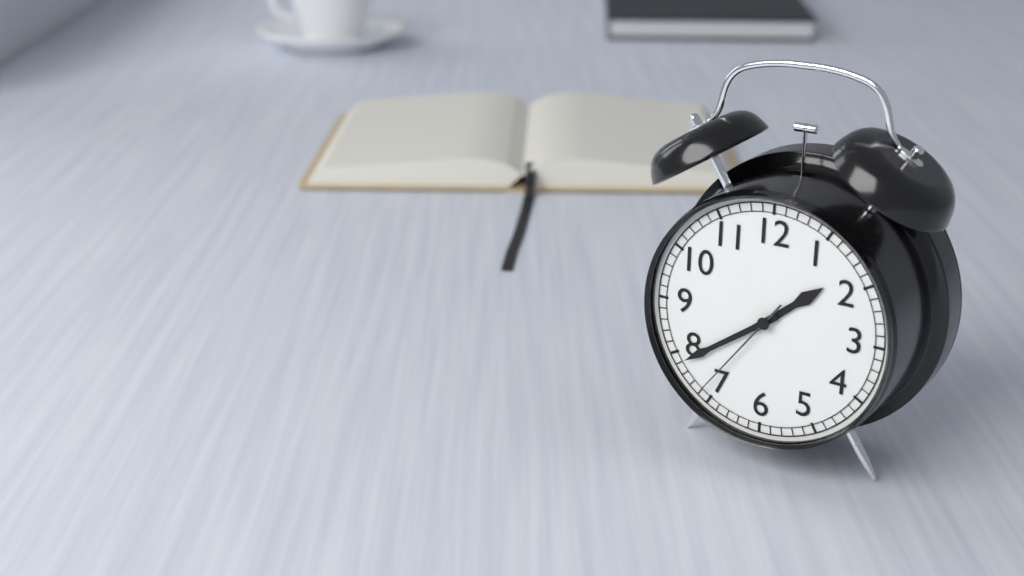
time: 1:39:36
